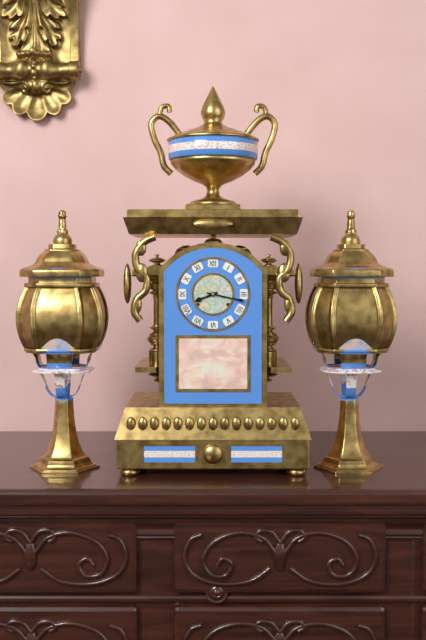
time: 8:17
